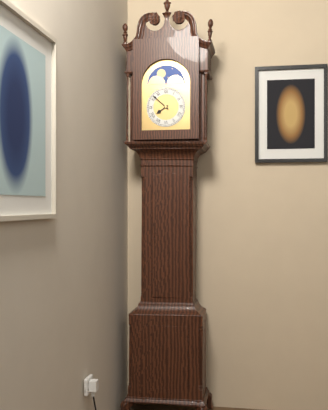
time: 7:52
